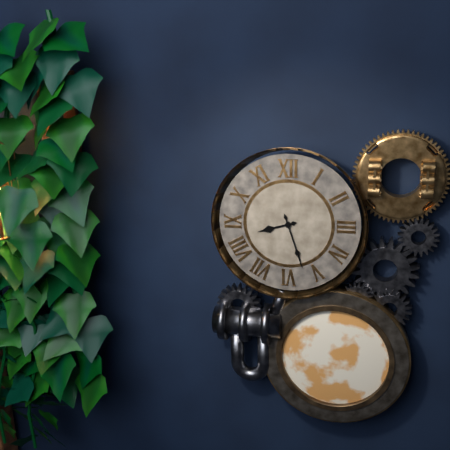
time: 8:27
